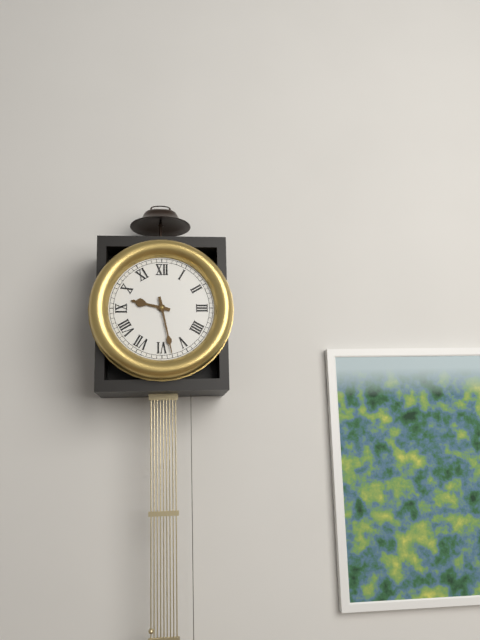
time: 9:28
